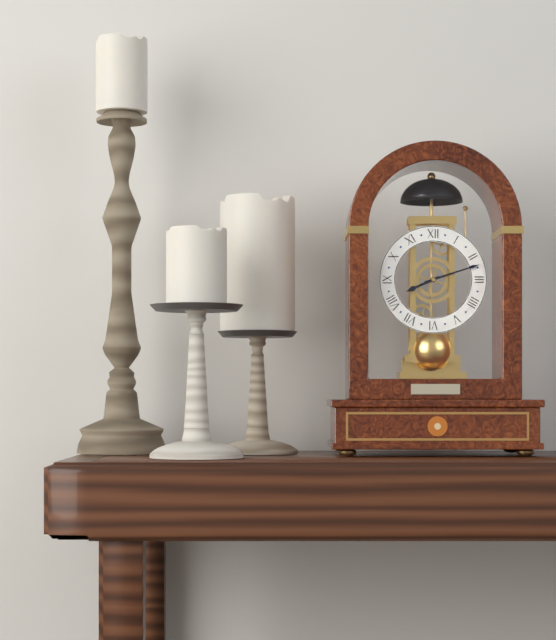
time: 8:12
